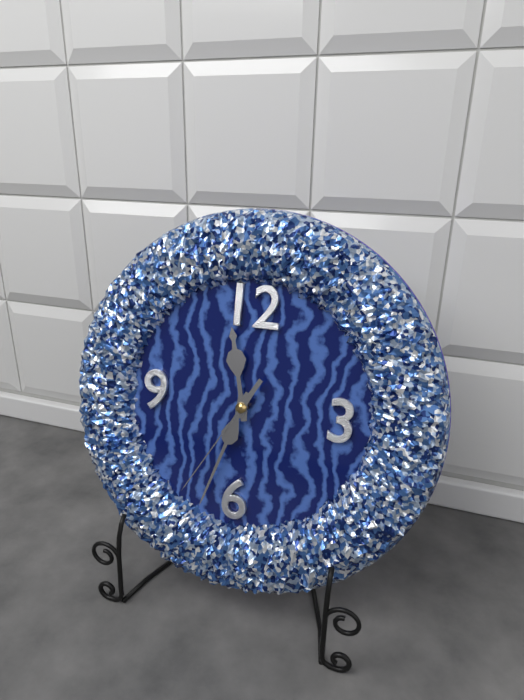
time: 11:33:35
